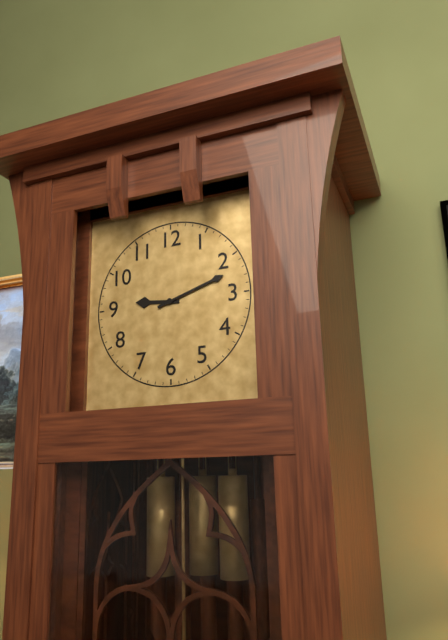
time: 9:12
